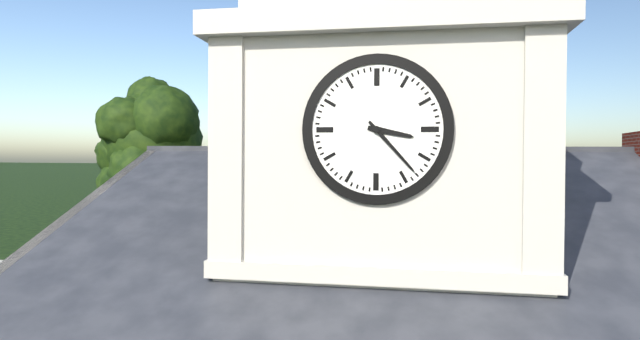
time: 3:23
